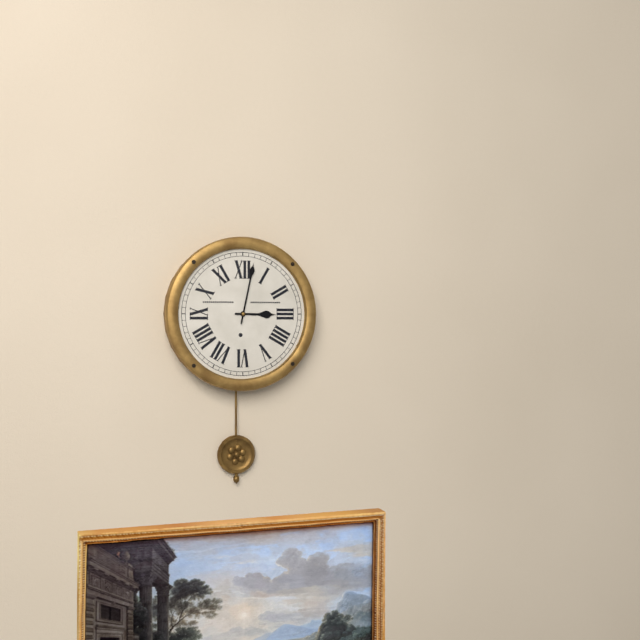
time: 3:02
